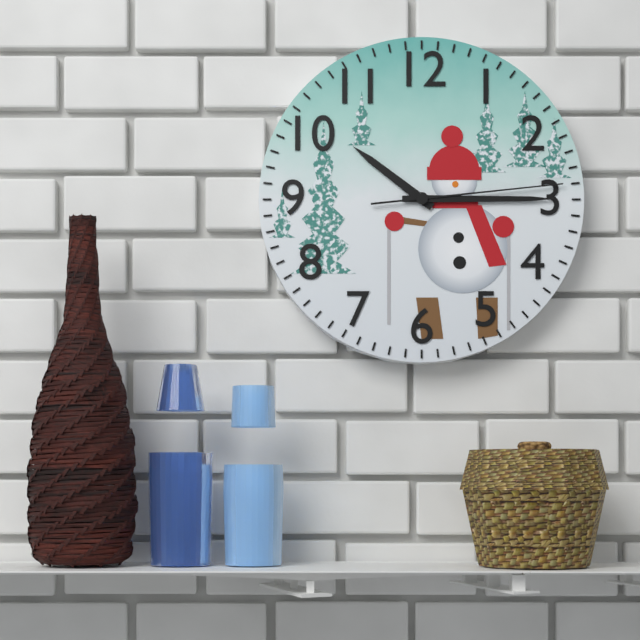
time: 10:15:14
